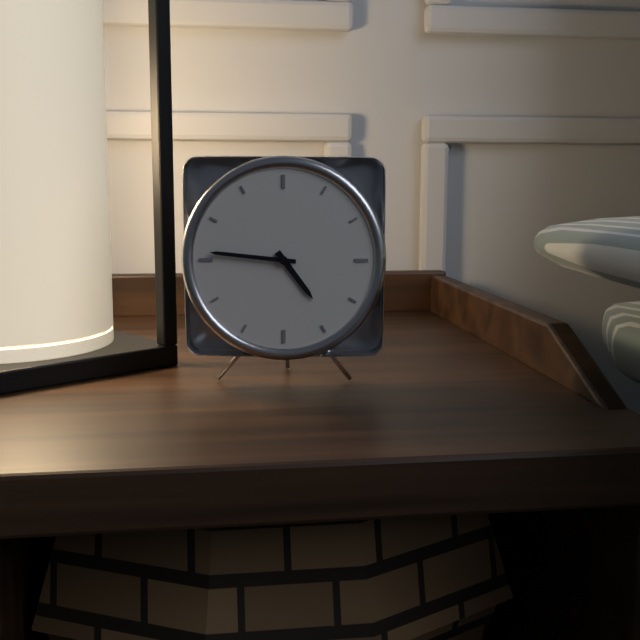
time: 4:46
